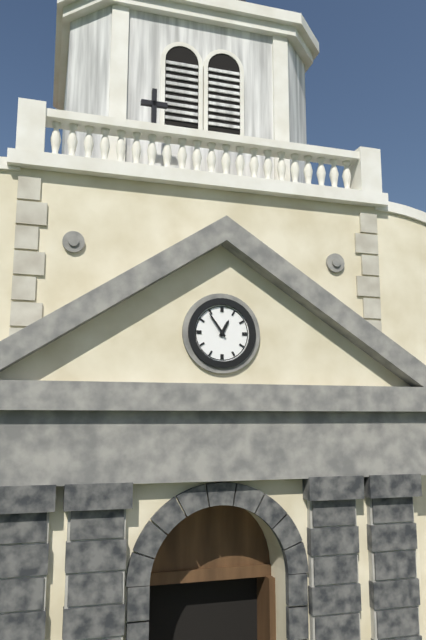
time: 12:54
